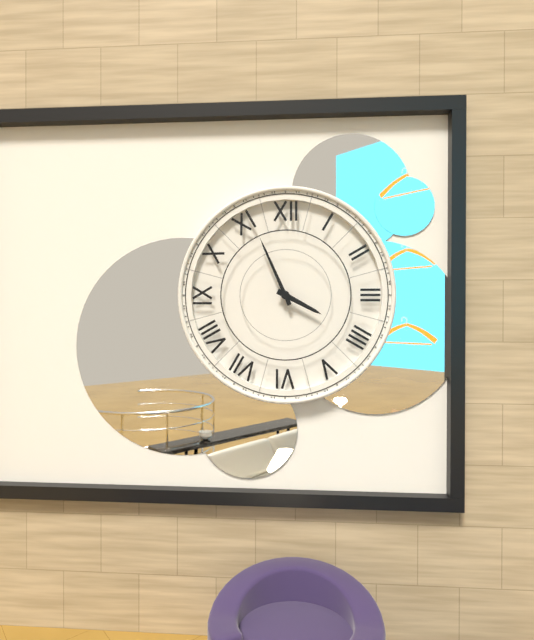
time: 3:56
